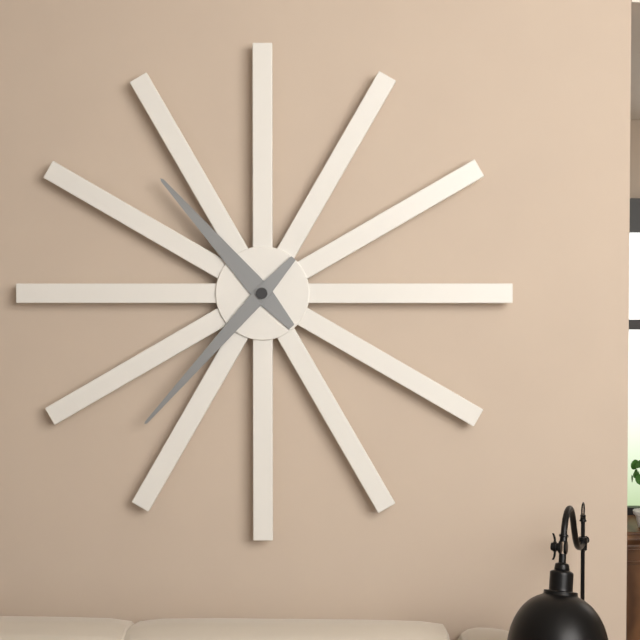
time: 10:37
